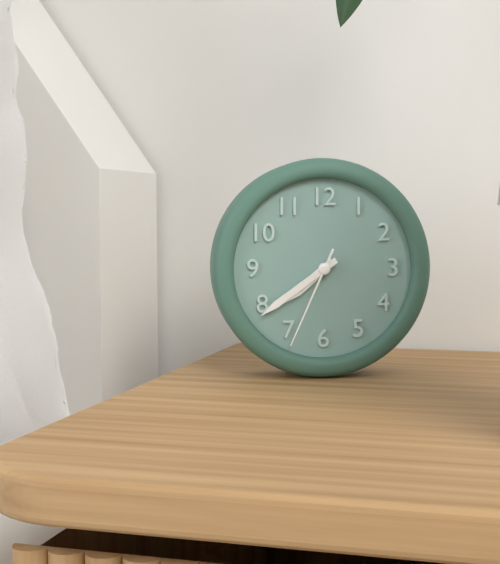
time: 7:39:34
